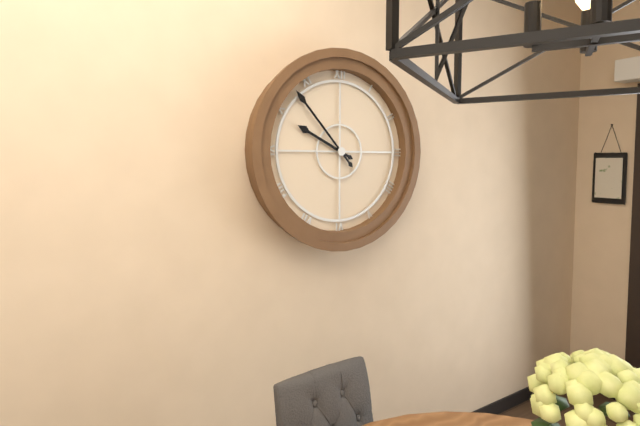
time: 9:53
